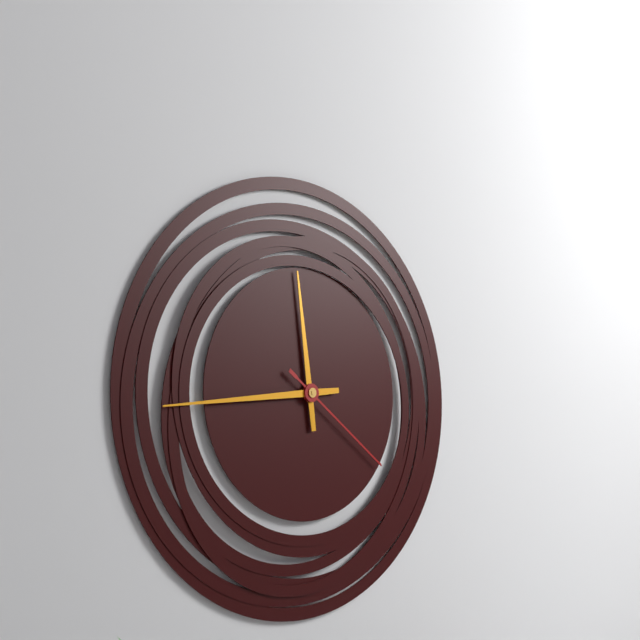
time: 11:44:21
